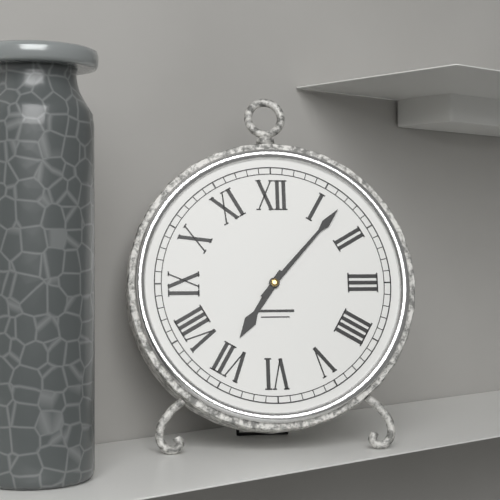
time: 7:07
